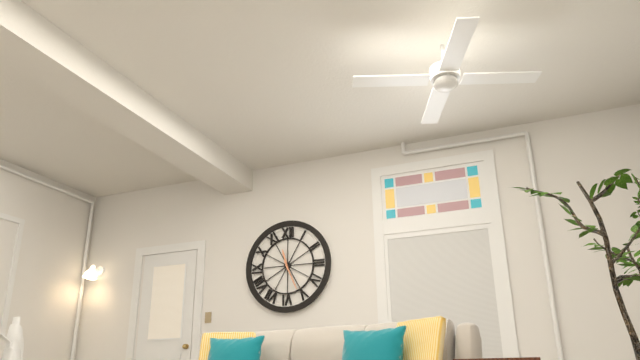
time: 11:26
